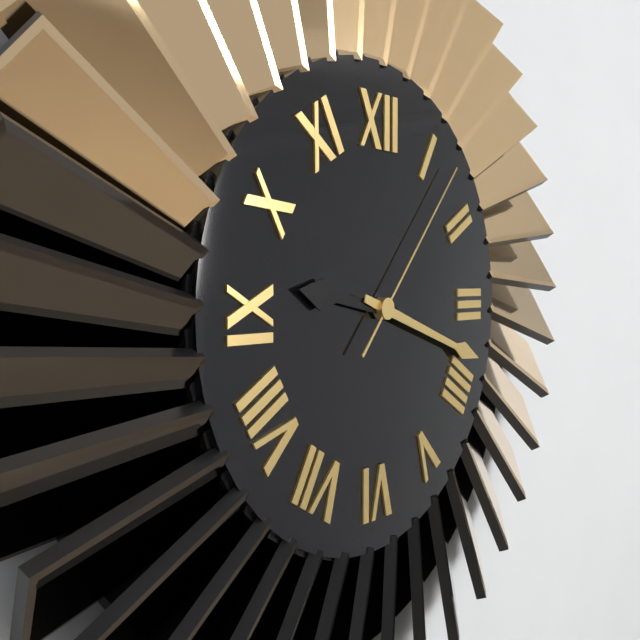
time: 9:18:07
